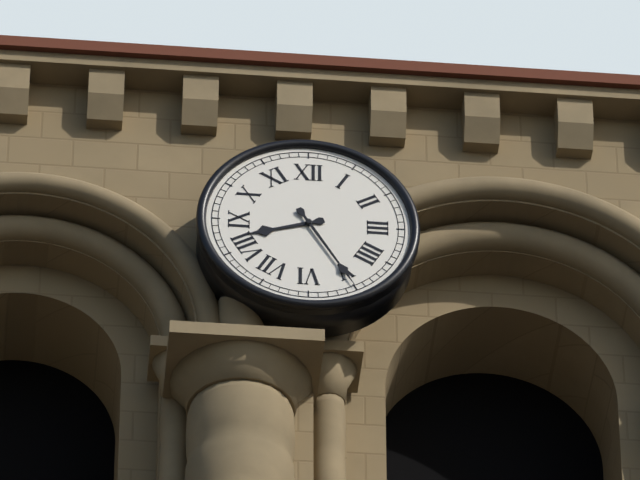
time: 8:25
